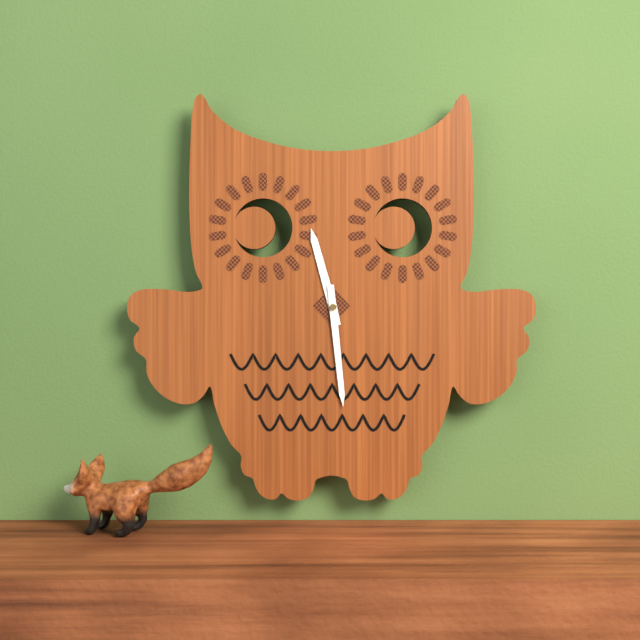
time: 11:29
